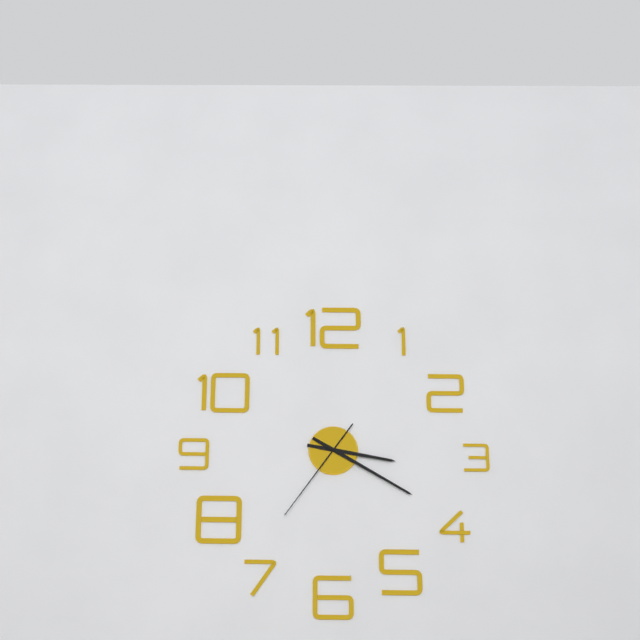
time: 3:20:36
